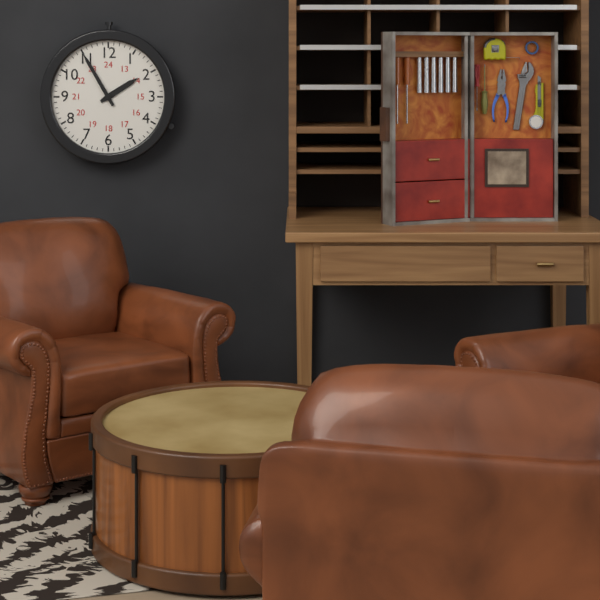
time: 1:55
